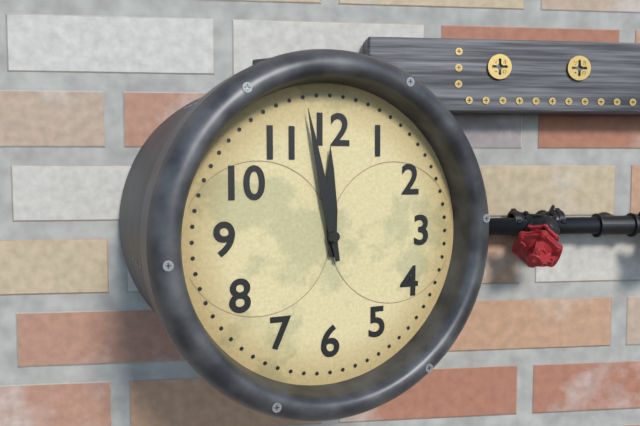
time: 11:58
